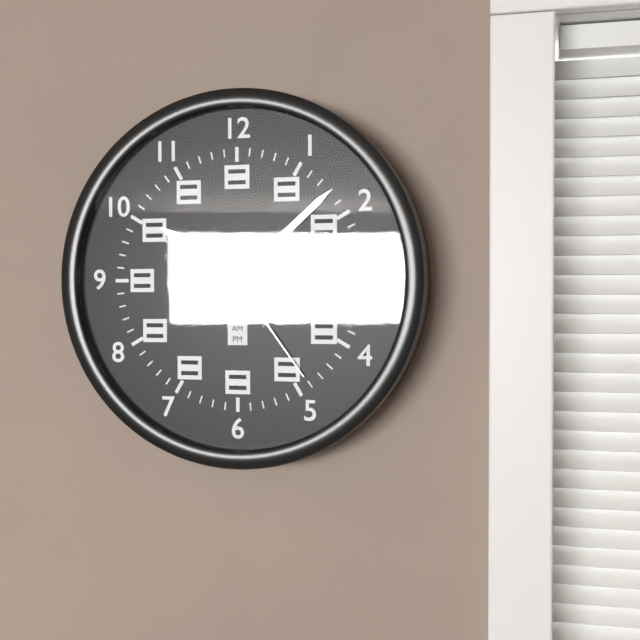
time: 10:08:24
